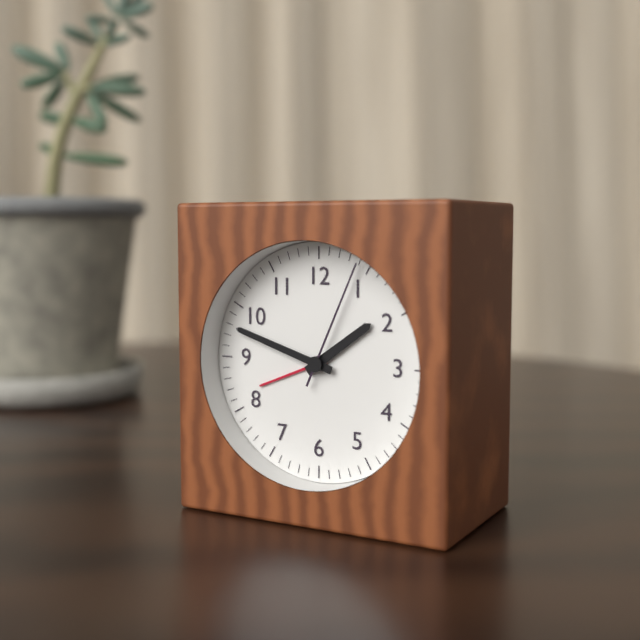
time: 1:48:04
